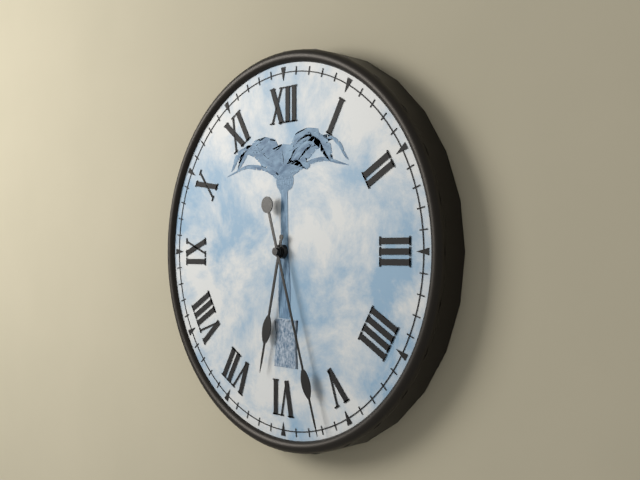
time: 6:27
